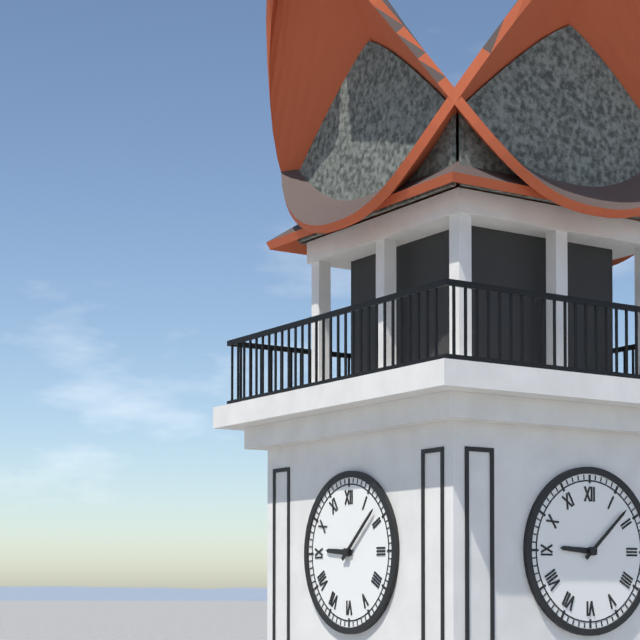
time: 9:08
